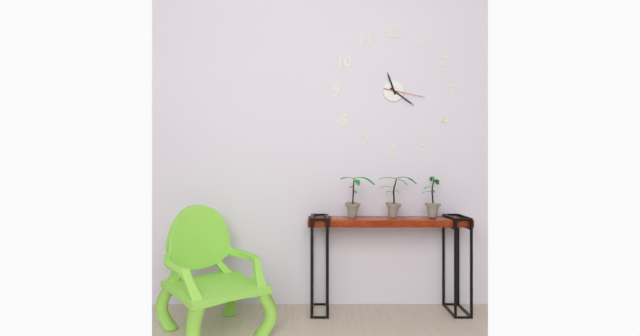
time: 11:21
